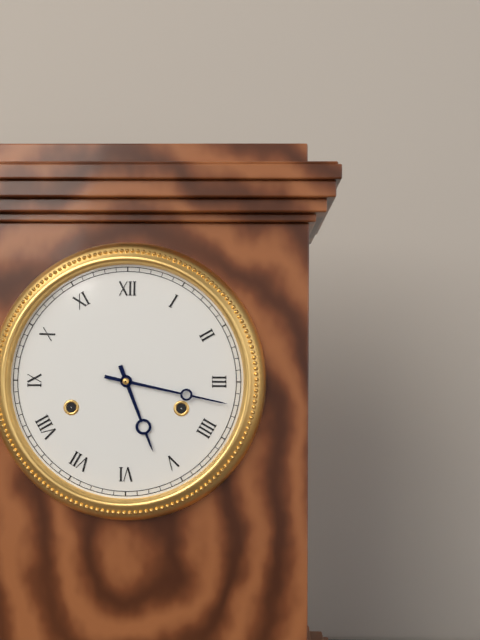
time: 5:17
